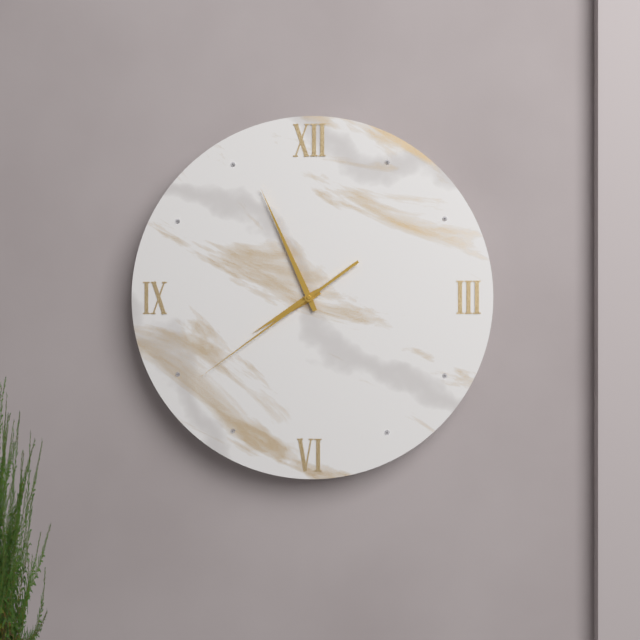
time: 7:56:39
